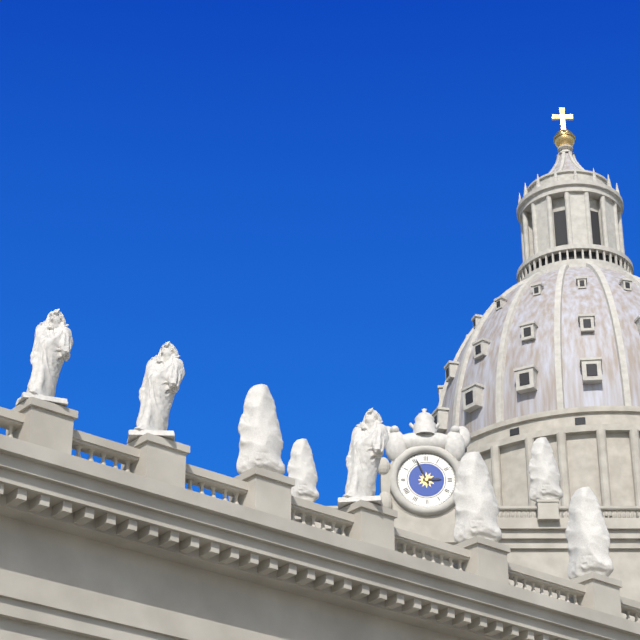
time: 2:56
